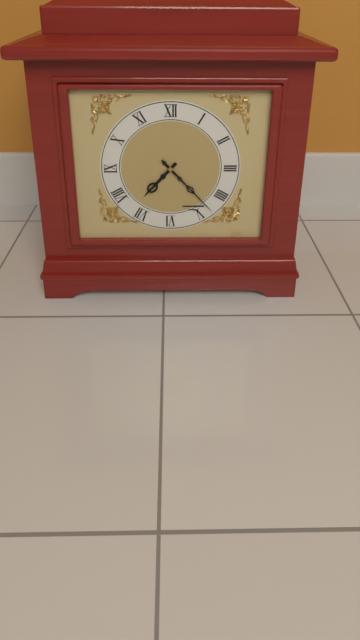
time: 7:23
